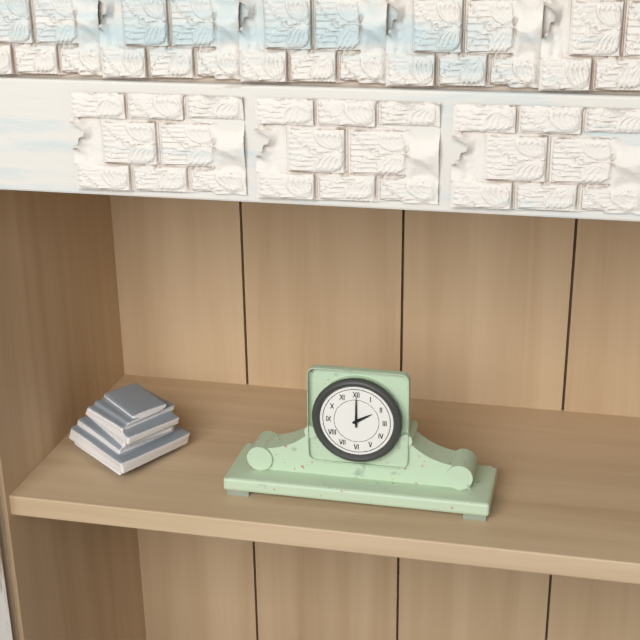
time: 2:00
